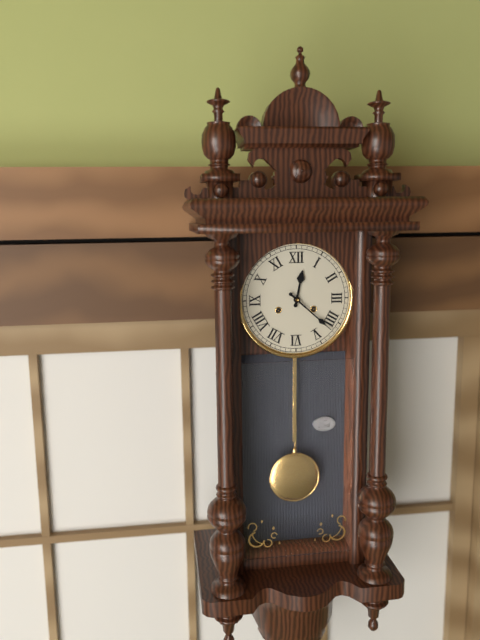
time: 12:22
